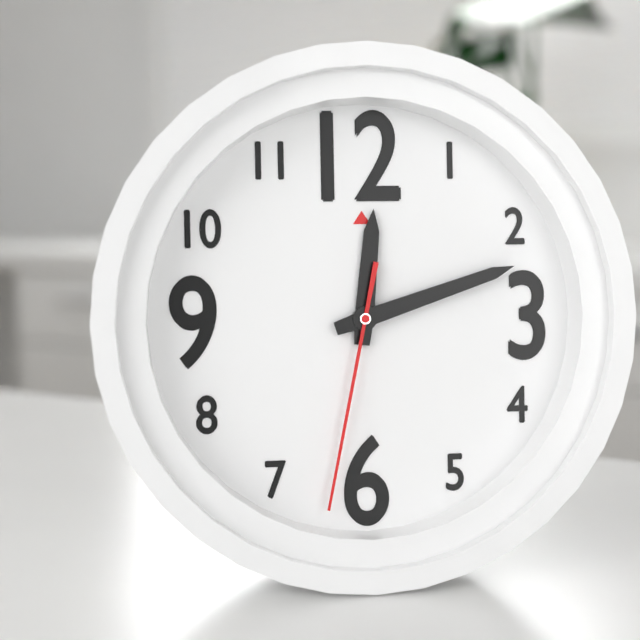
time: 12:12:32
